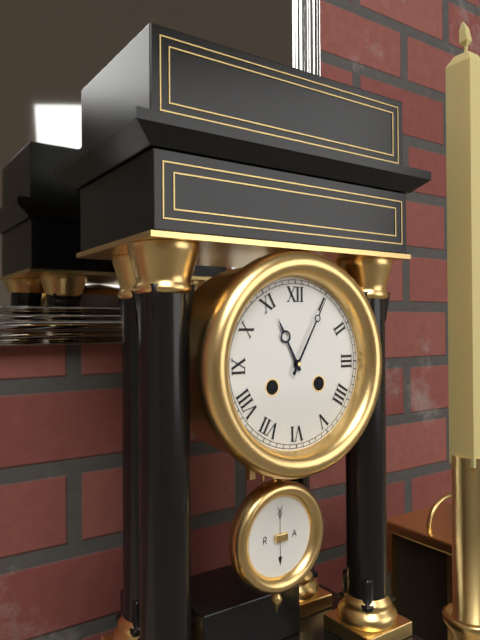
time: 11:05
